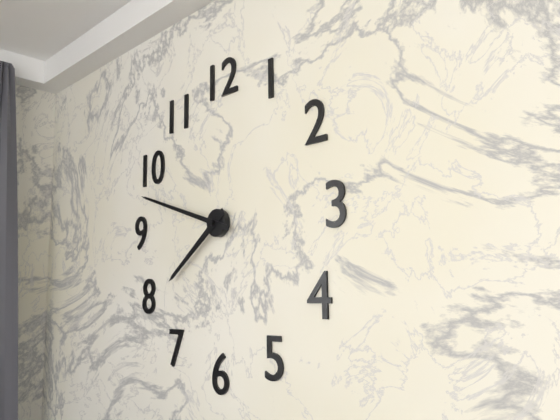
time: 7:48
